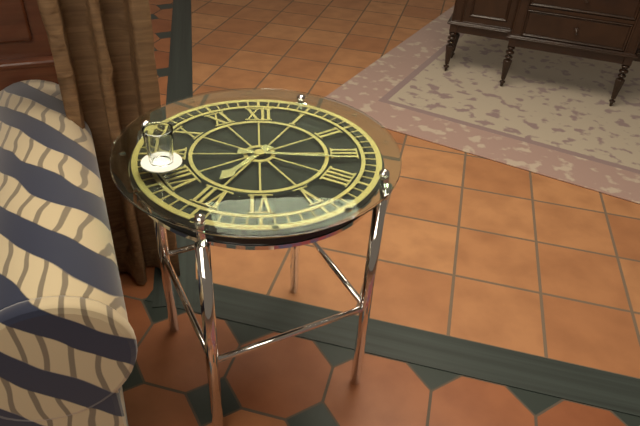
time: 7:16
